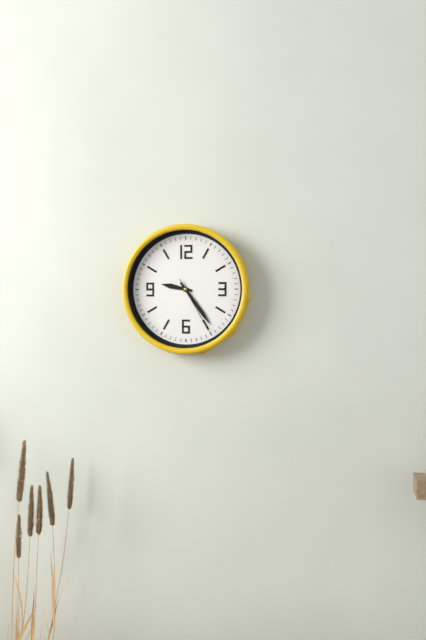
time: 9:24:25
